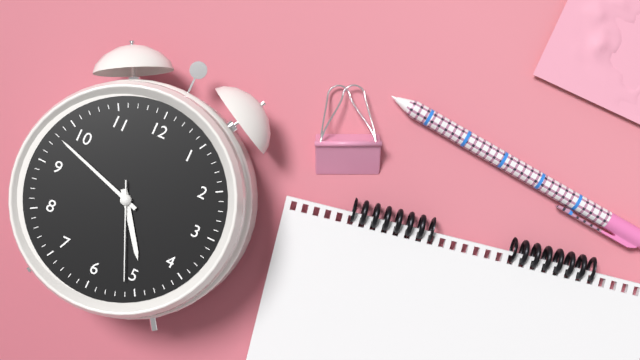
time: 4:48:26
